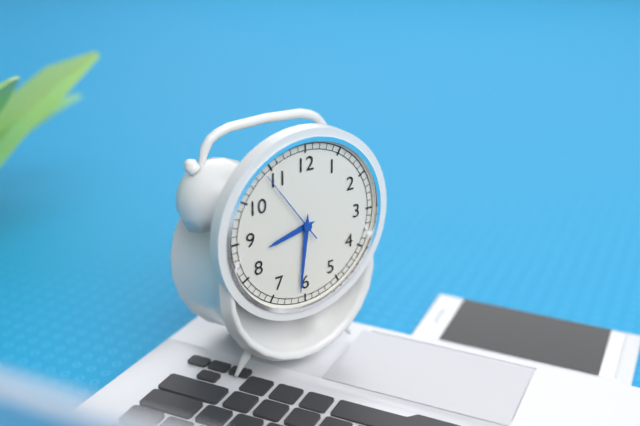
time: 8:31:54
